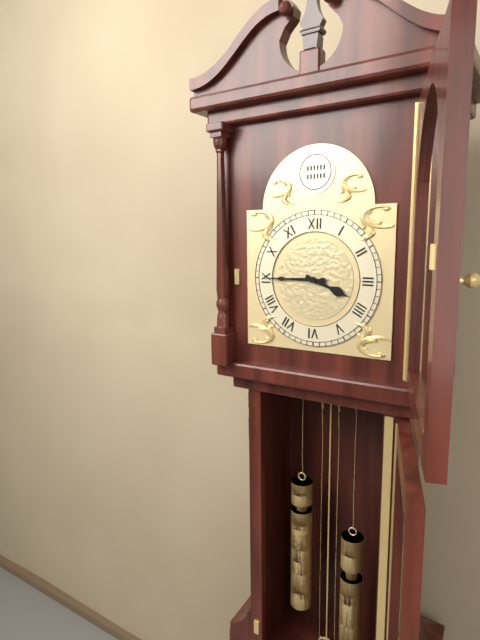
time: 3:45
